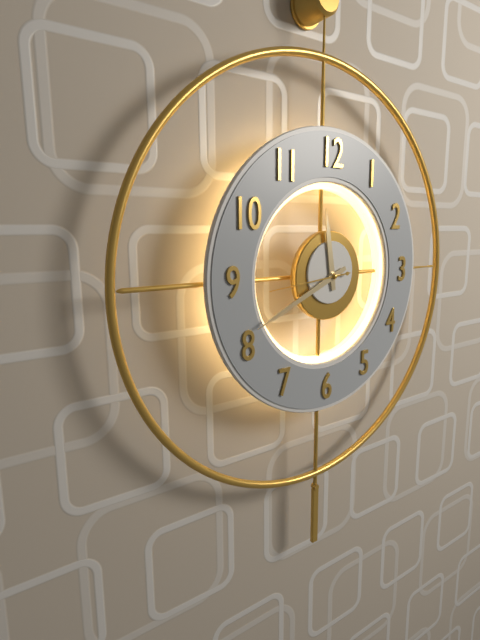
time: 11:41
